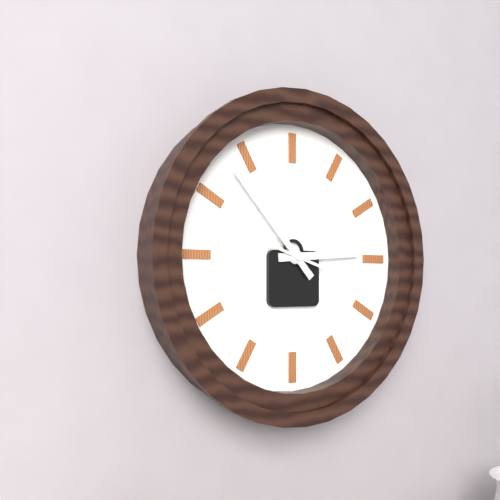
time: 2:53:48
